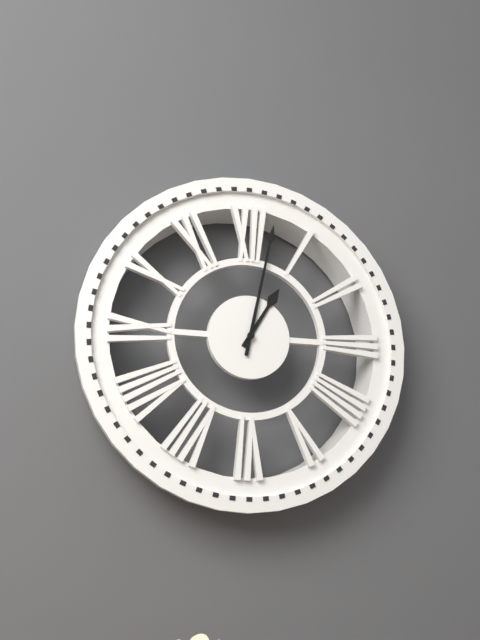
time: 1:02
